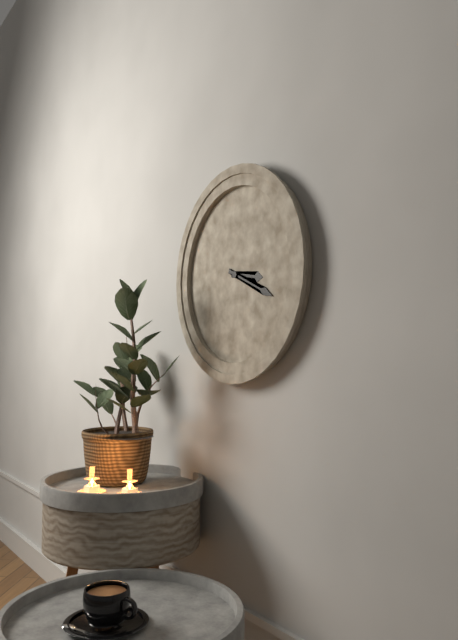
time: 3:19
